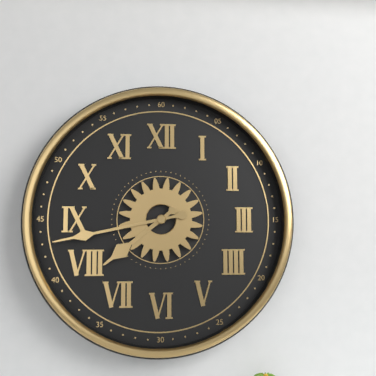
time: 7:43
